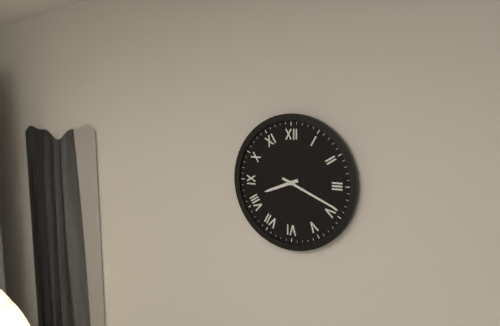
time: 8:19
